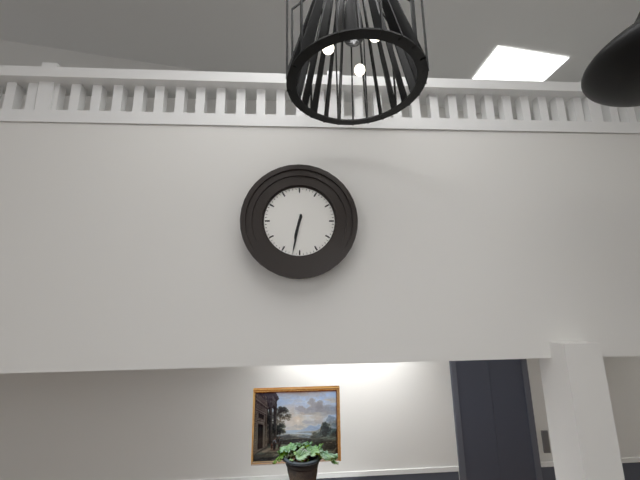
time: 6:32
